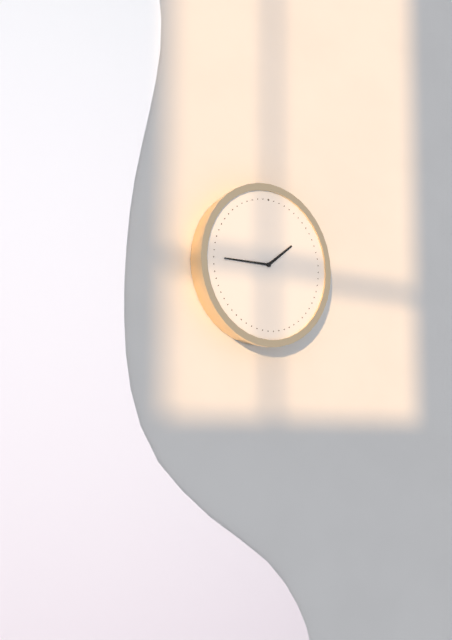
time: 1:45
